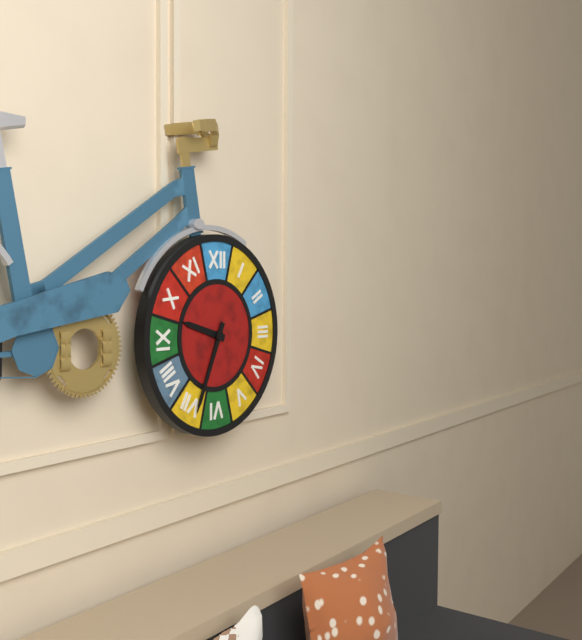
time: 9:34
